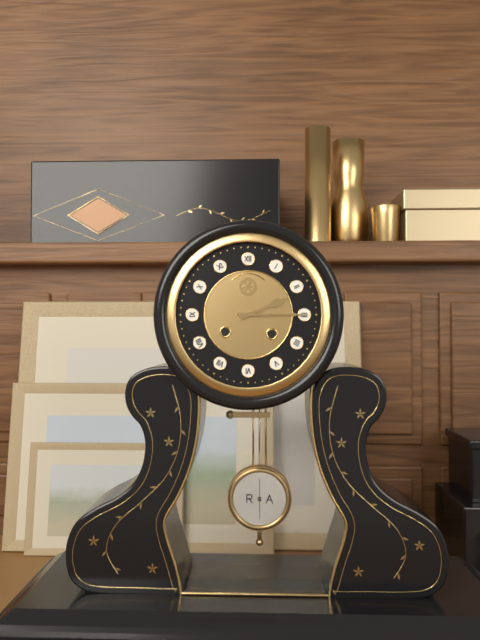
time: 2:15
